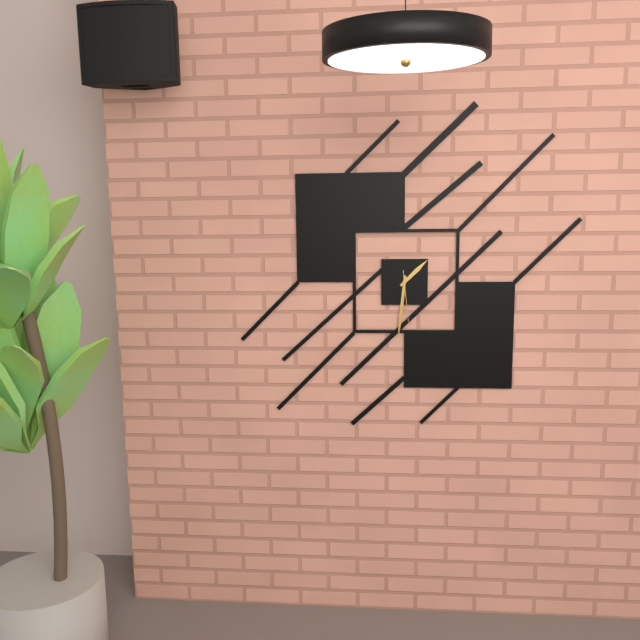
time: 1:31:29
